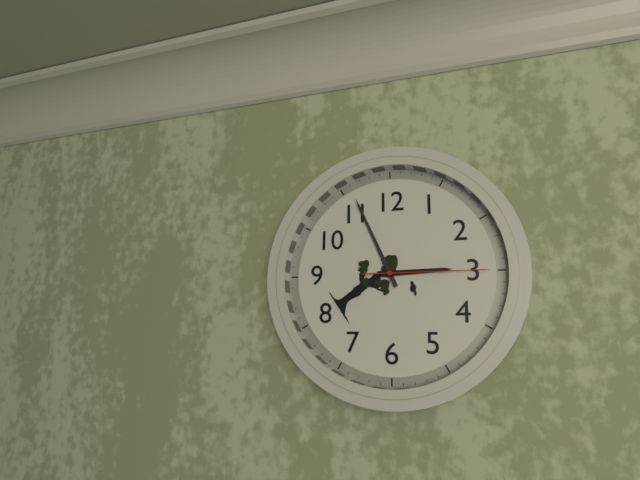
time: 2:56:15
